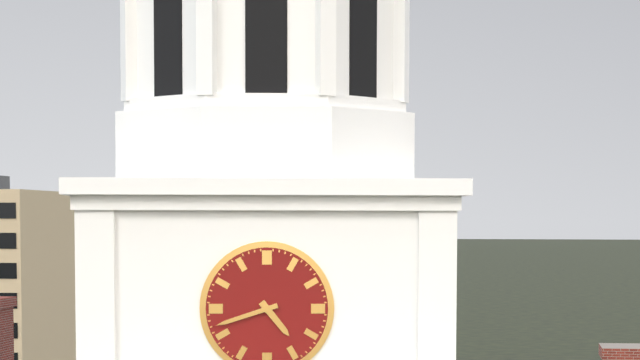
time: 4:42
